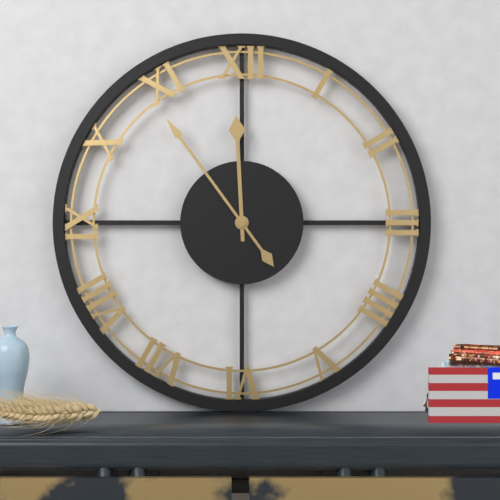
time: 11:54
